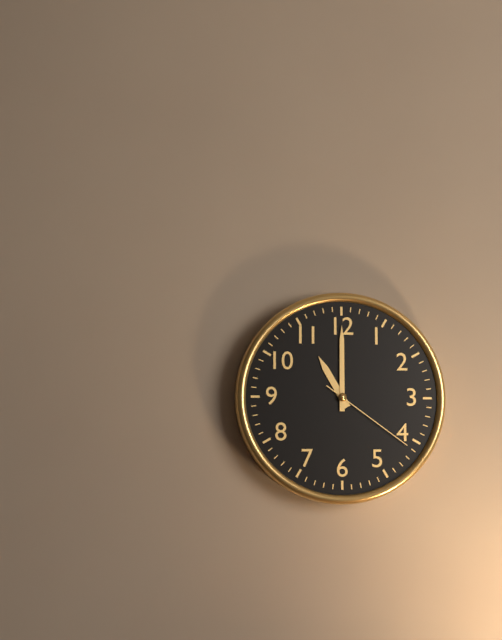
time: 11:00:21
